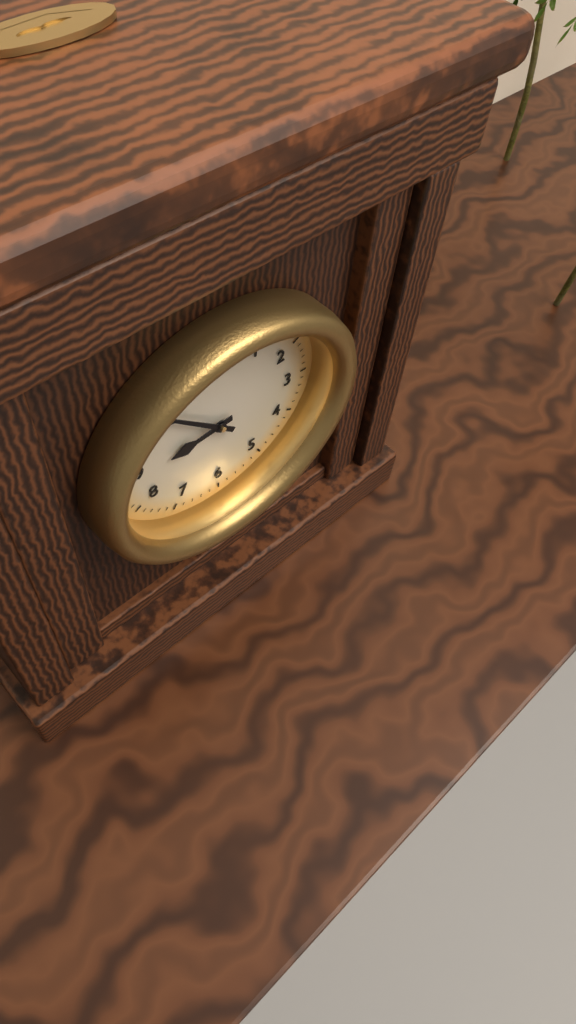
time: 8:52
